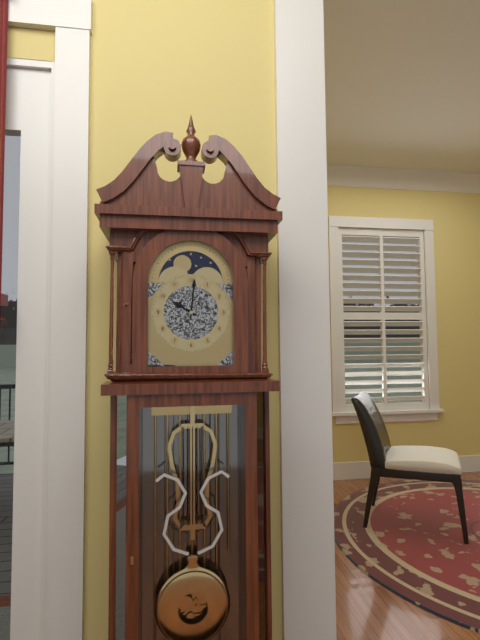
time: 10:01
